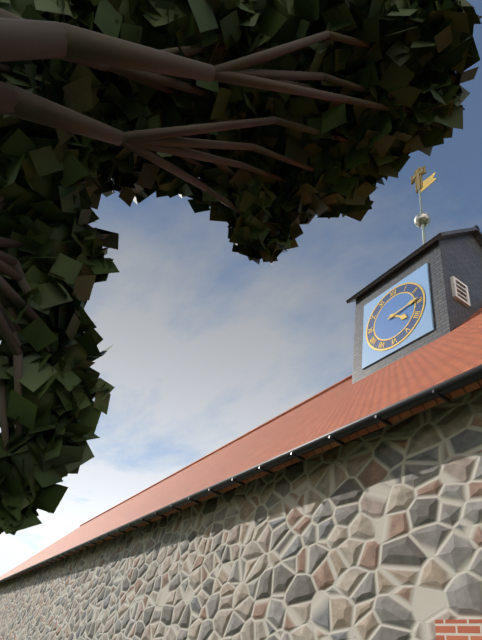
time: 4:14
